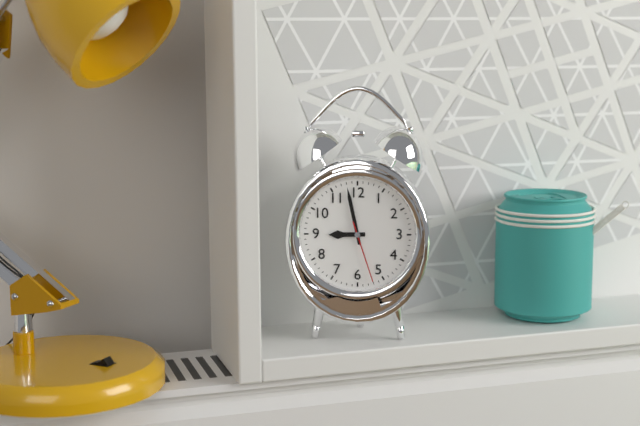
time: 8:58:27
